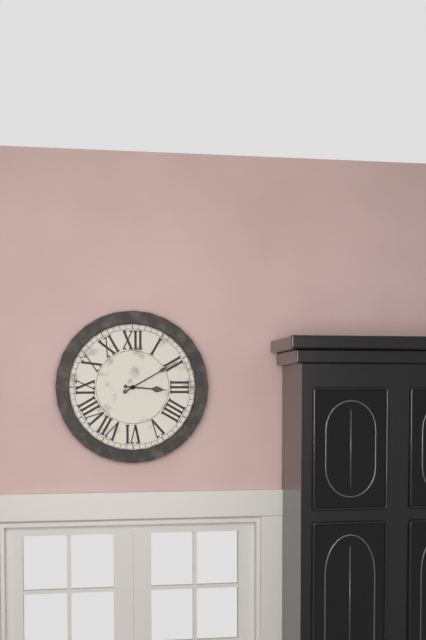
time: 3:10
